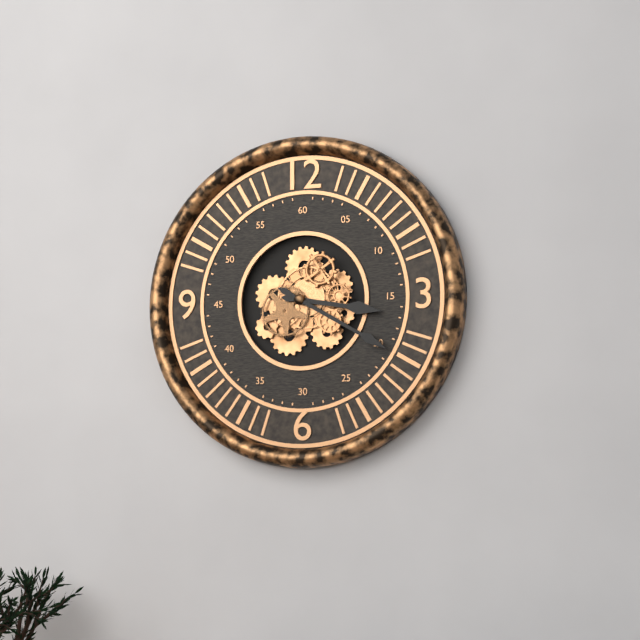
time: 3:20
